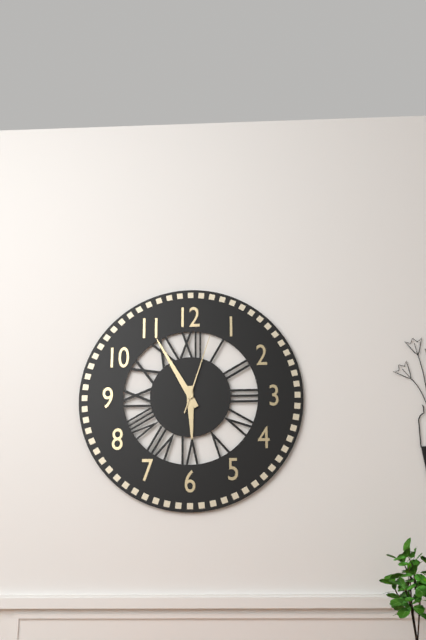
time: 5:55:03
